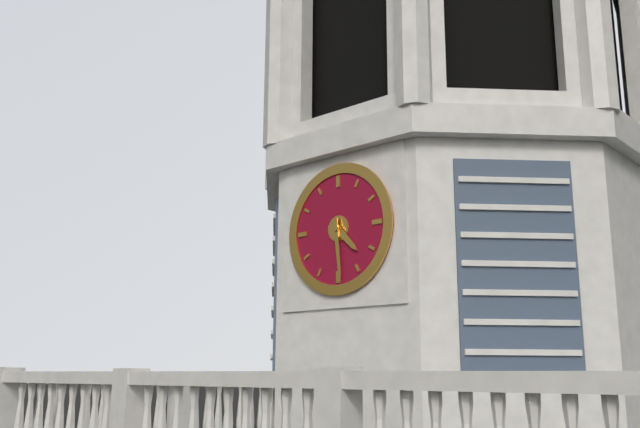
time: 4:29
